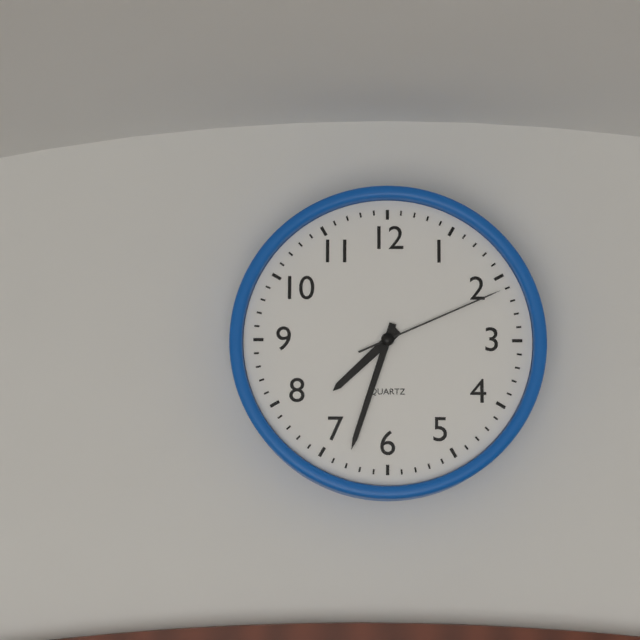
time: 7:33:11
